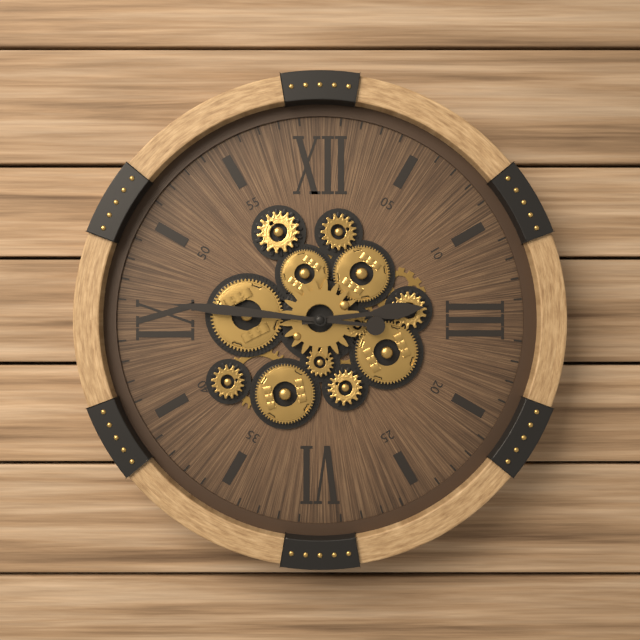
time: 2:46
